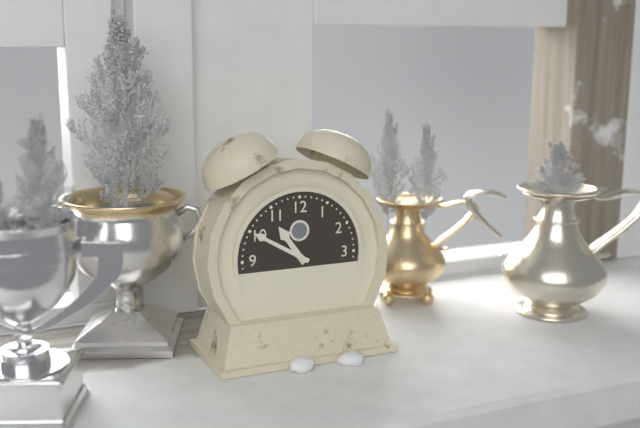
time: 10:50
